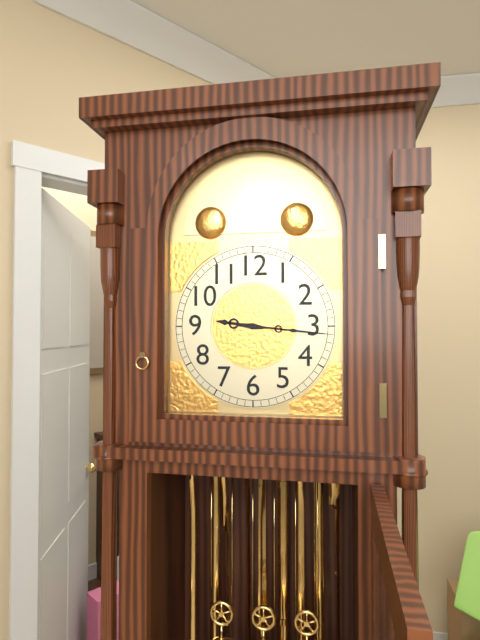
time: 9:16
